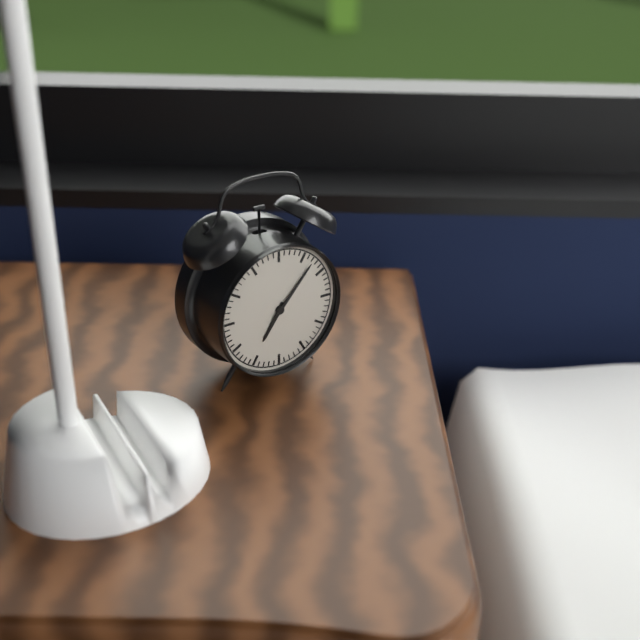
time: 7:07
